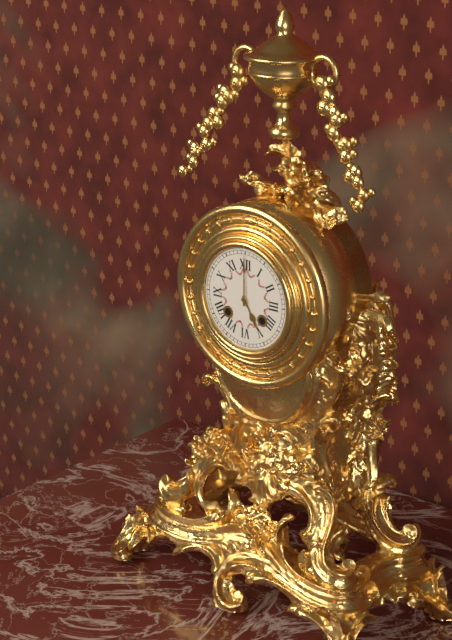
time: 5:00
